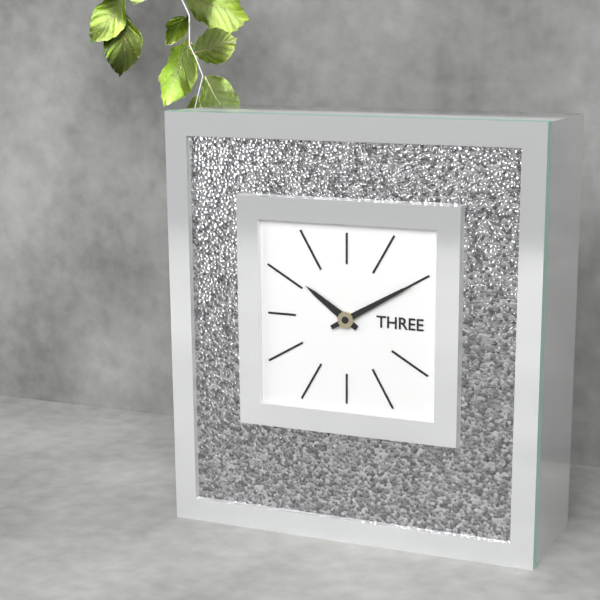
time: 10:10
